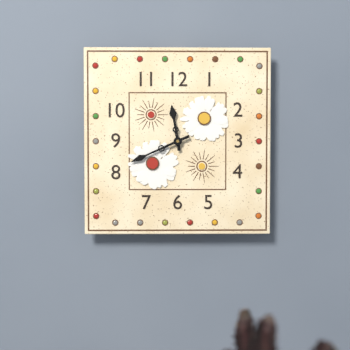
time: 11:41
